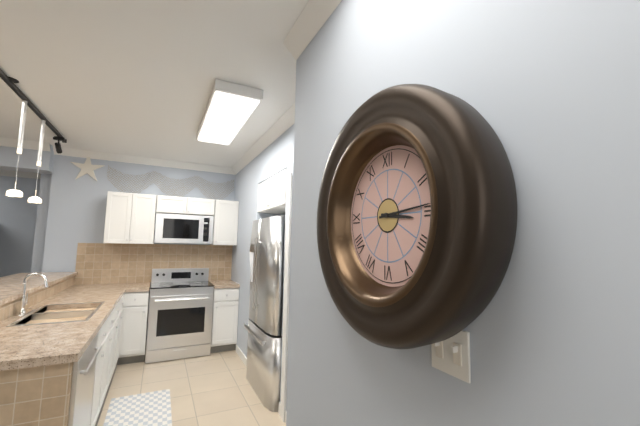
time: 3:14
